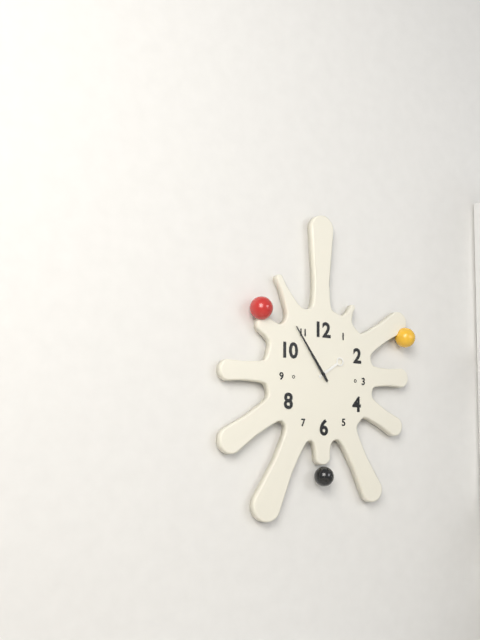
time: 1:54
